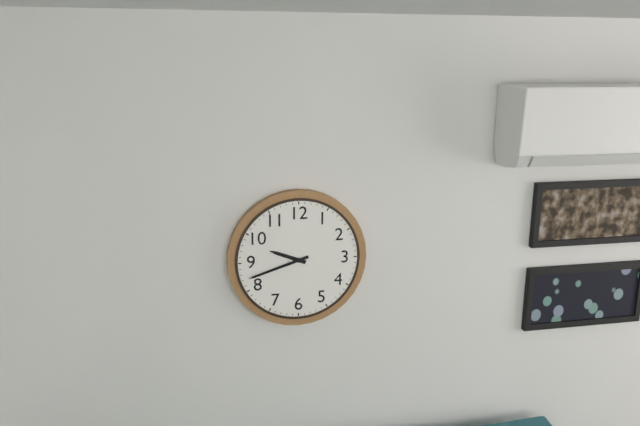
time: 9:42
